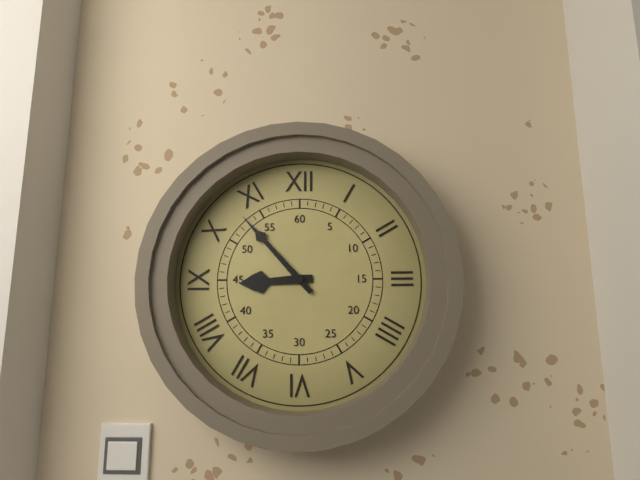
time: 8:53
